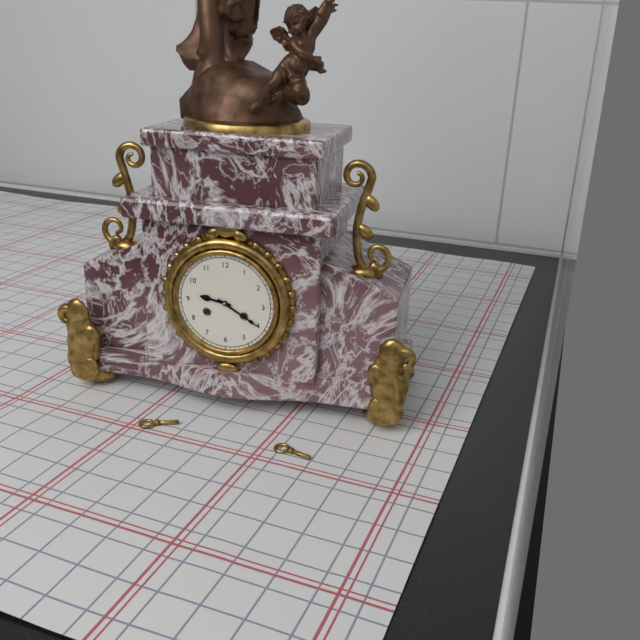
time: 9:20
